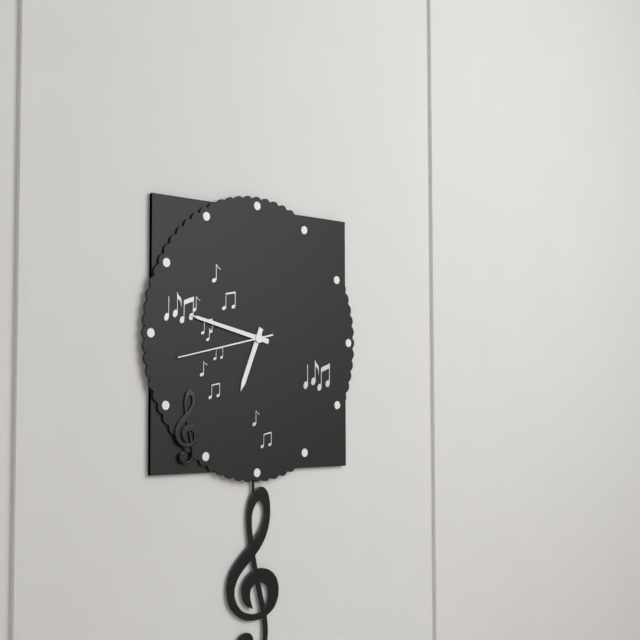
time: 6:47:43
